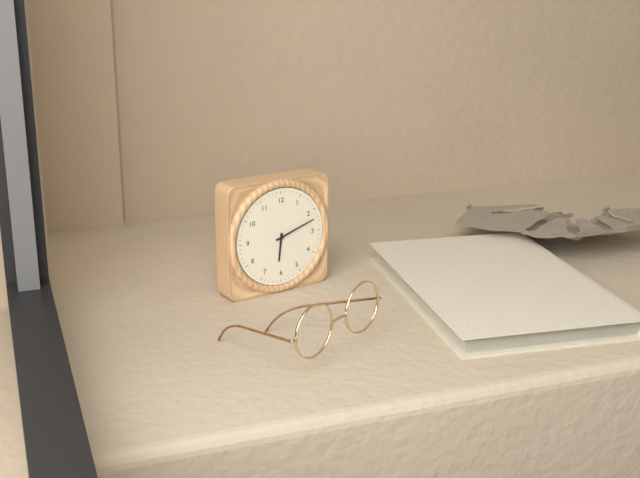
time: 6:12
